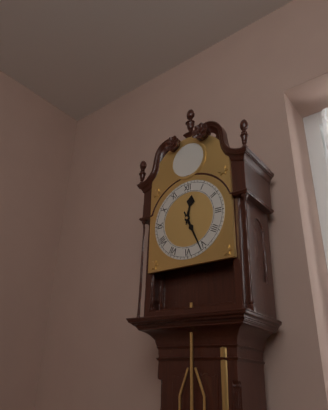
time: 12:26
